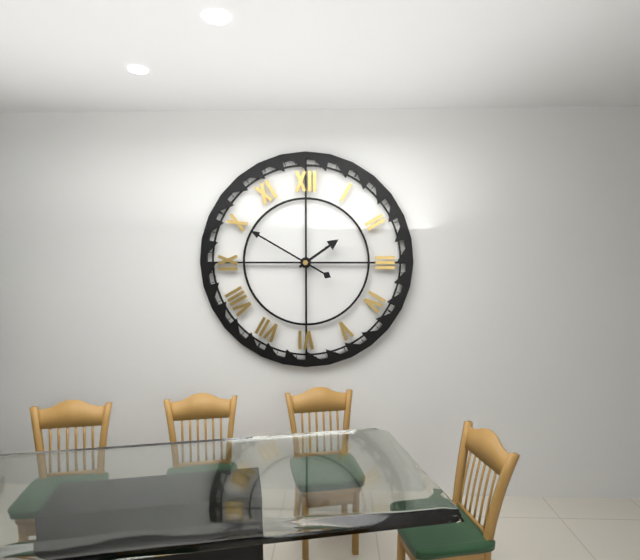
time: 1:50
